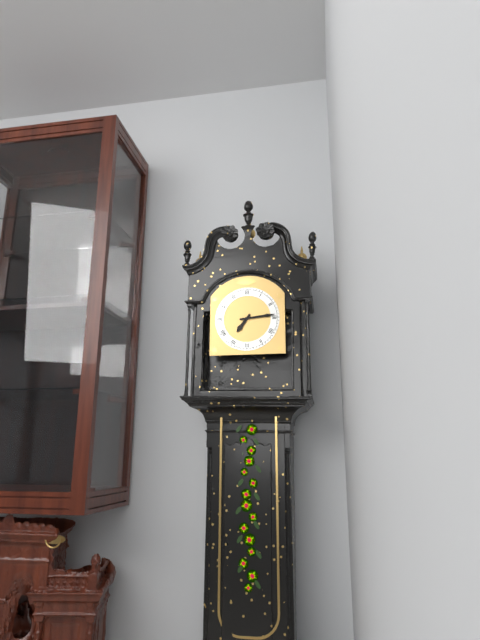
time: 7:14
